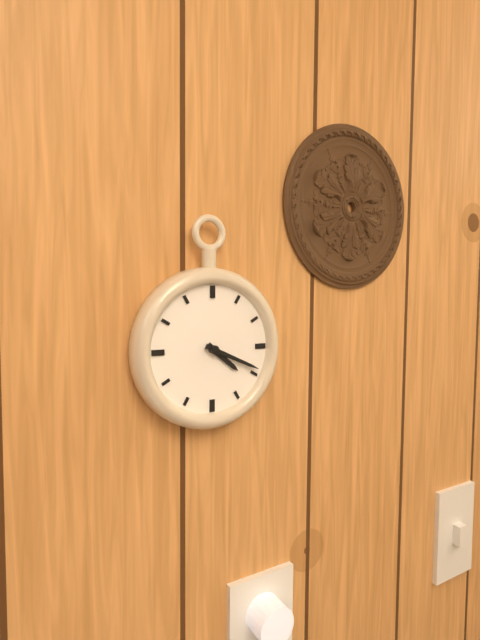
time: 4:19
